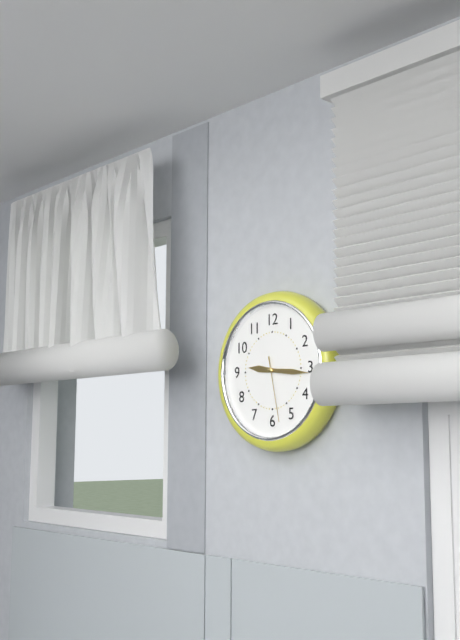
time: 9:16:28
